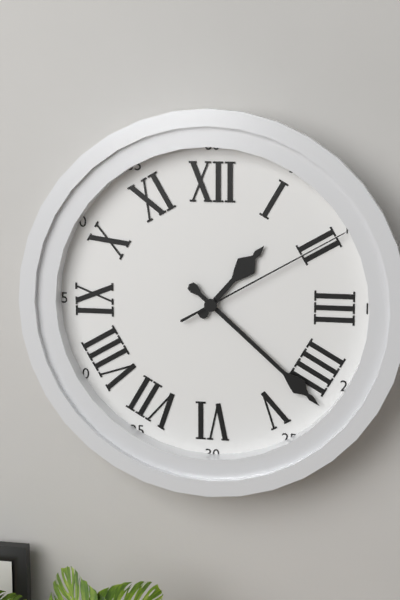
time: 1:22:10
